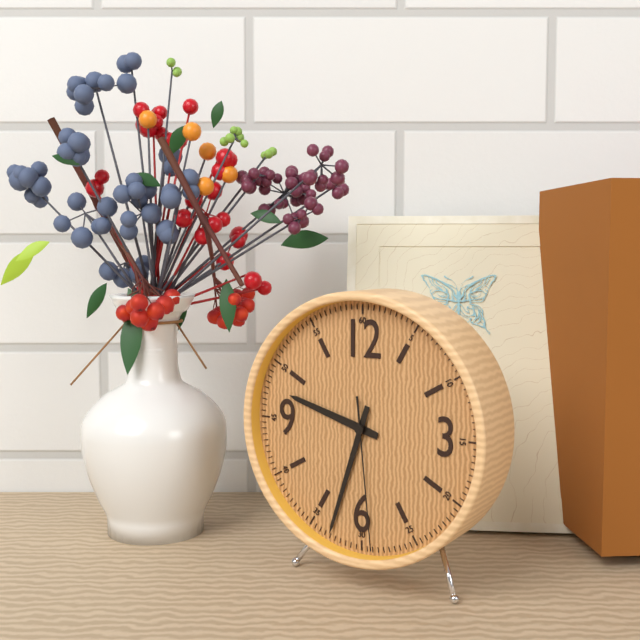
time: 9:33:29
